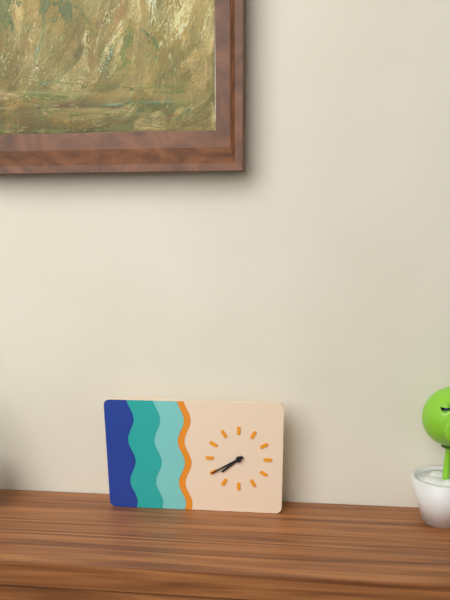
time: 7:40
